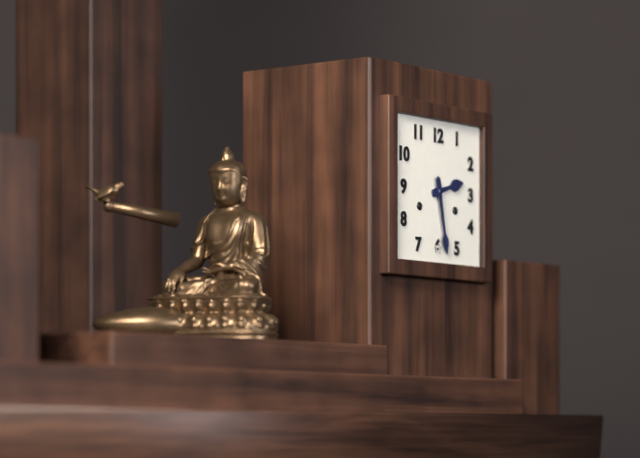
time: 2:28
